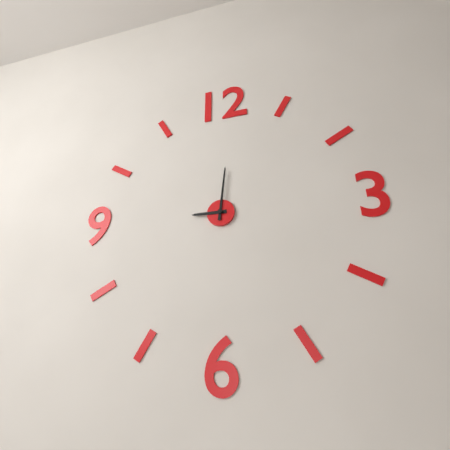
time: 9:01
